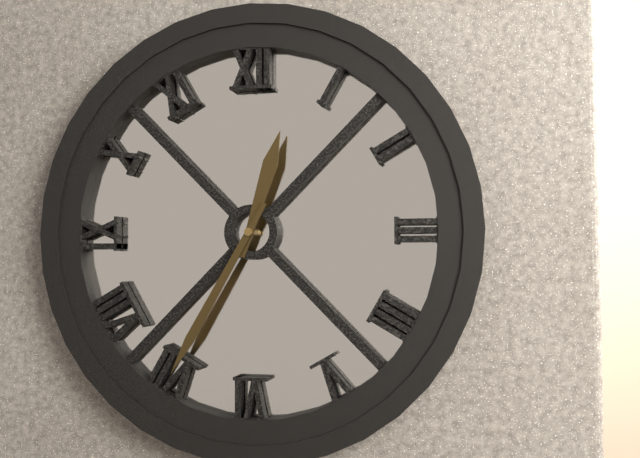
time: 12:35
